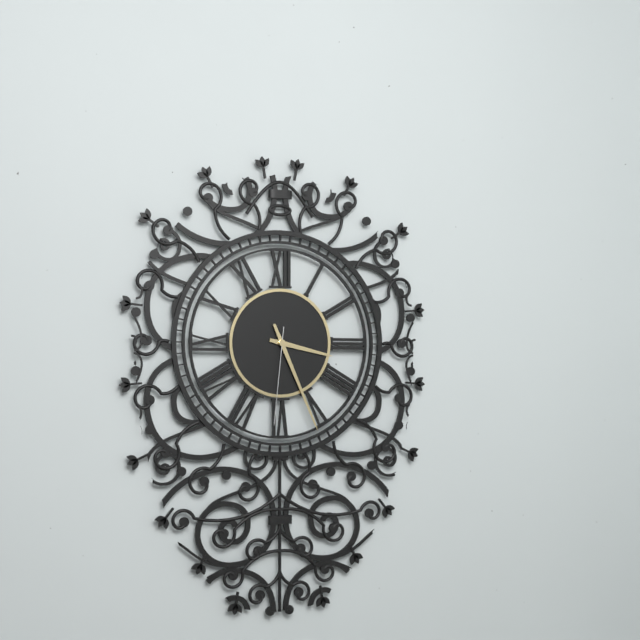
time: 3:26:31
